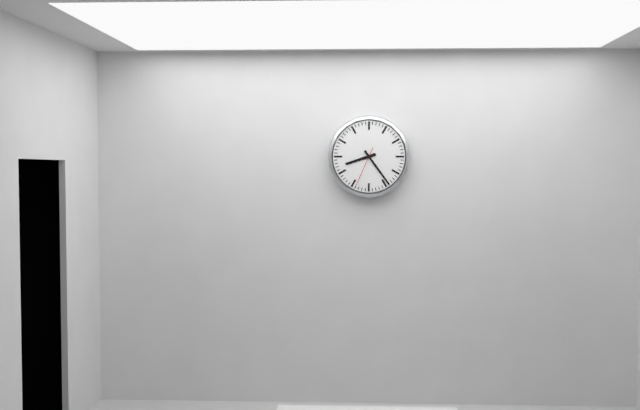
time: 8:24
